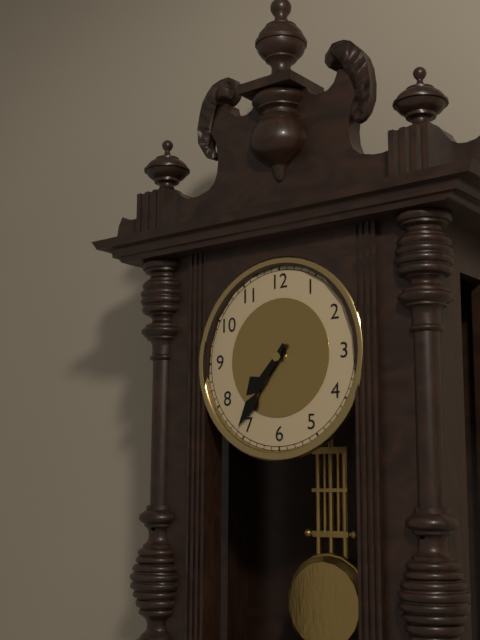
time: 7:36
